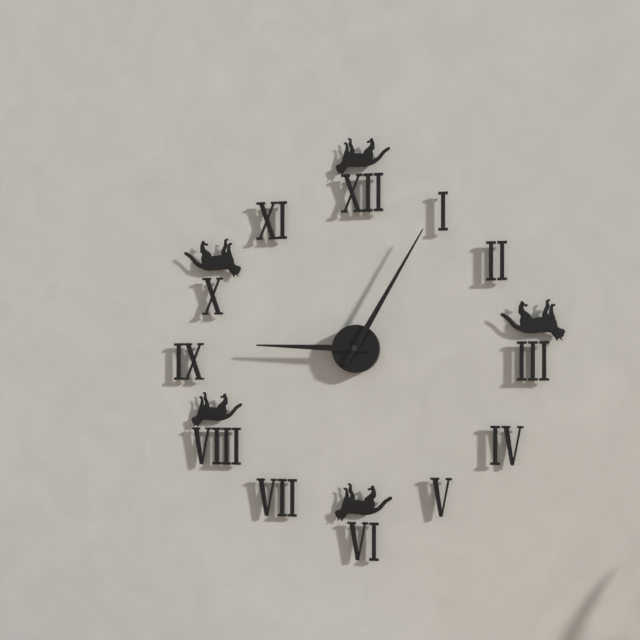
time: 9:05
